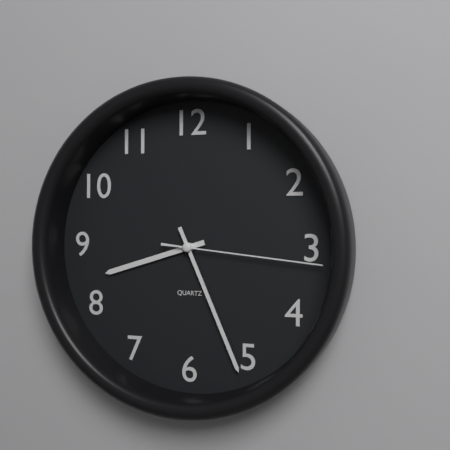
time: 8:26:16
